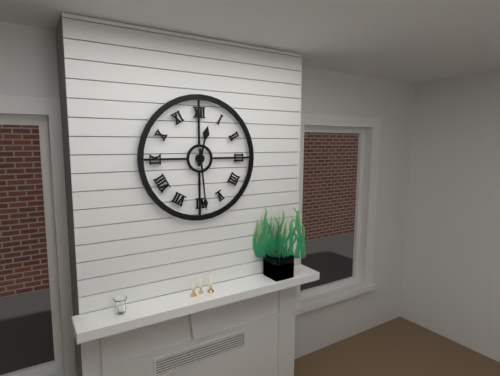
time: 12:29
